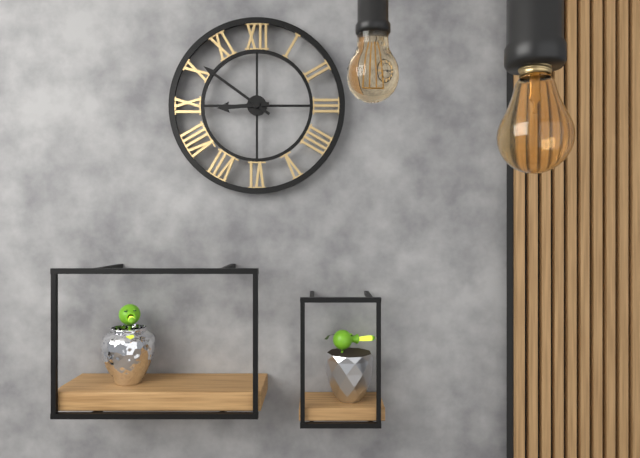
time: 8:51
